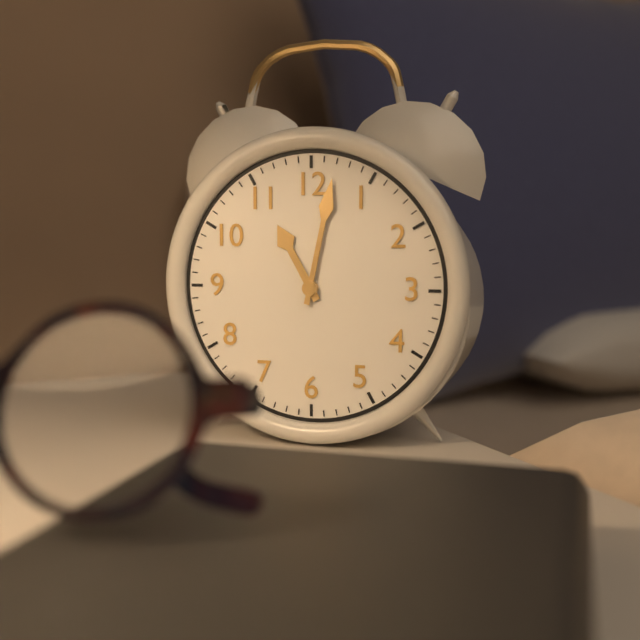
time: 11:02
